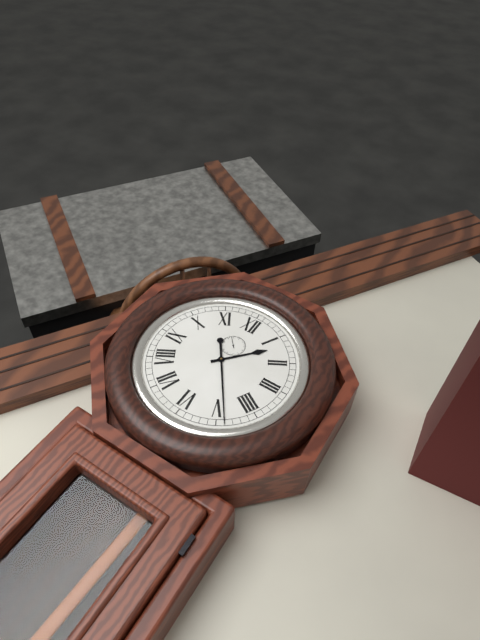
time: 1:24
